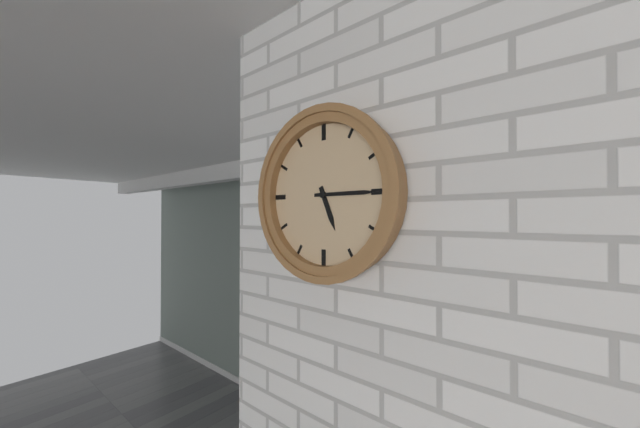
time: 5:15
